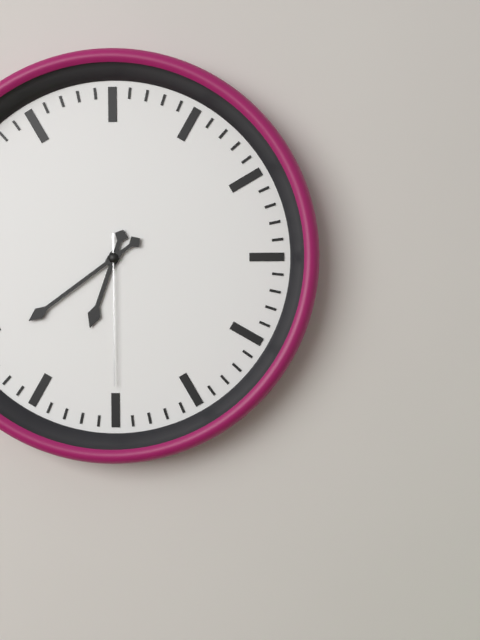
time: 6:39:30
